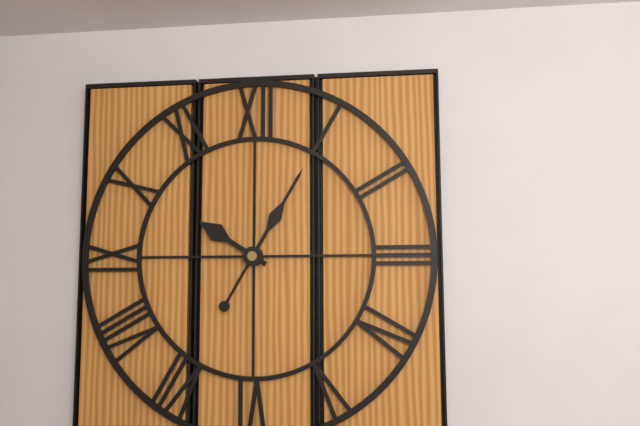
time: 10:05
